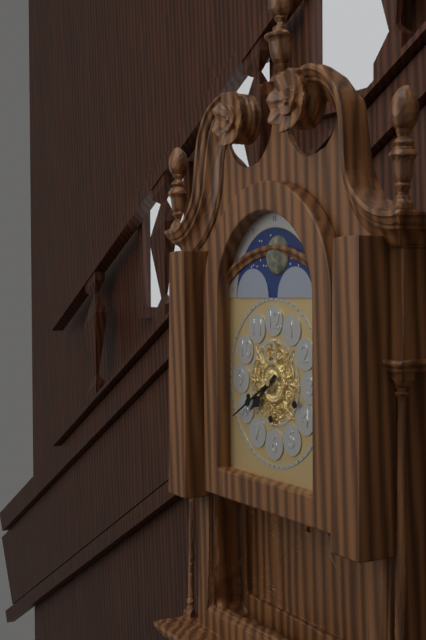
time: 7:40
